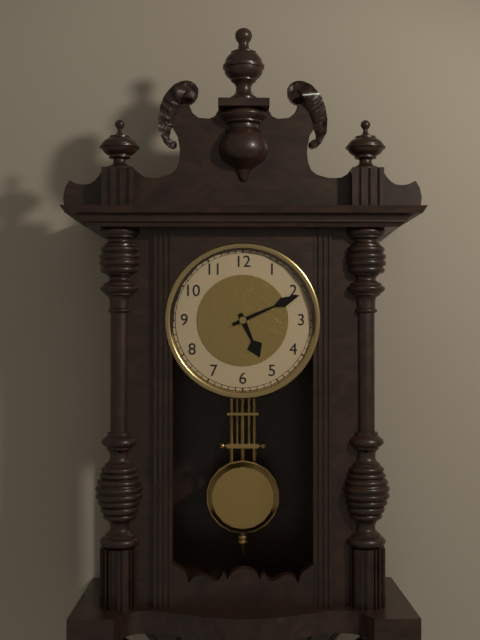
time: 5:11
